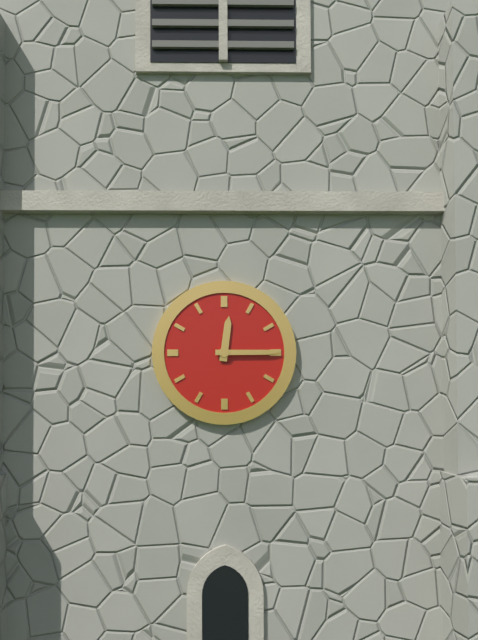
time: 12:15
